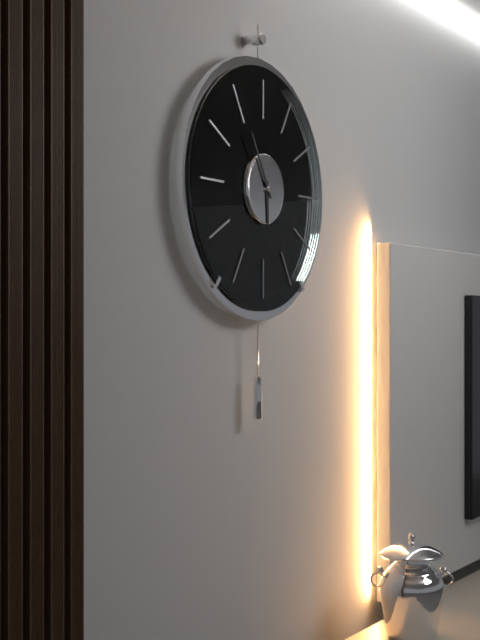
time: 5:55
